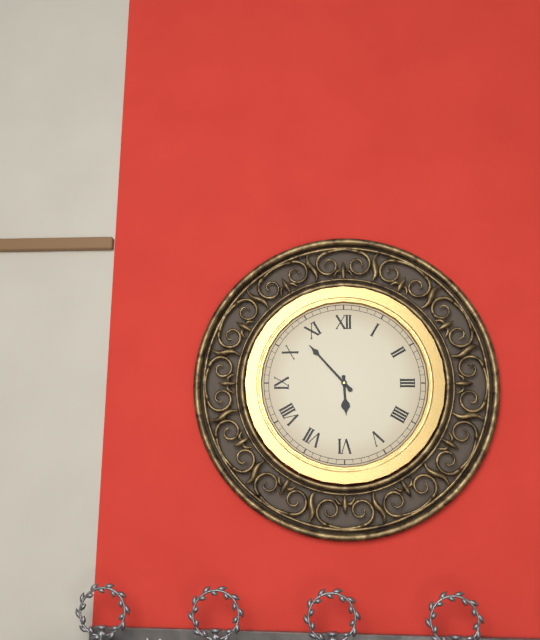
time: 5:53
